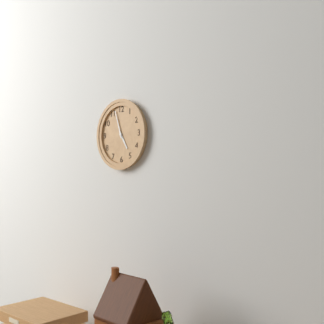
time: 4:57
